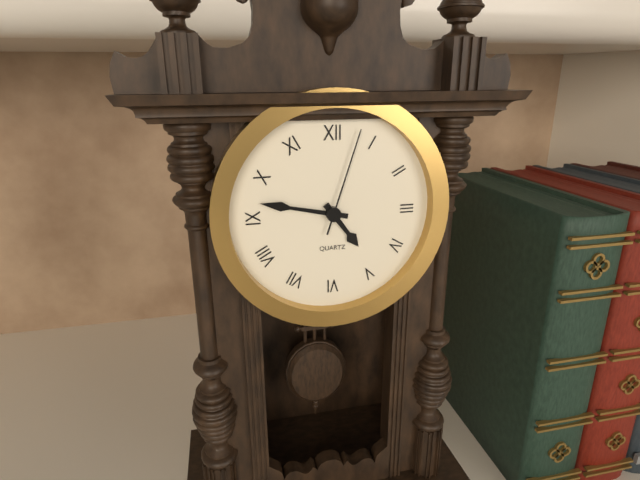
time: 4:47:03
